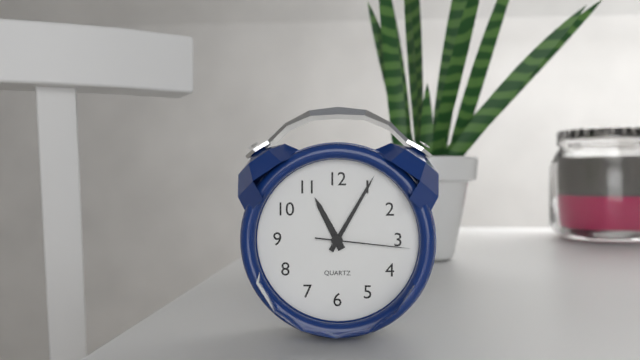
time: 11:05:16
